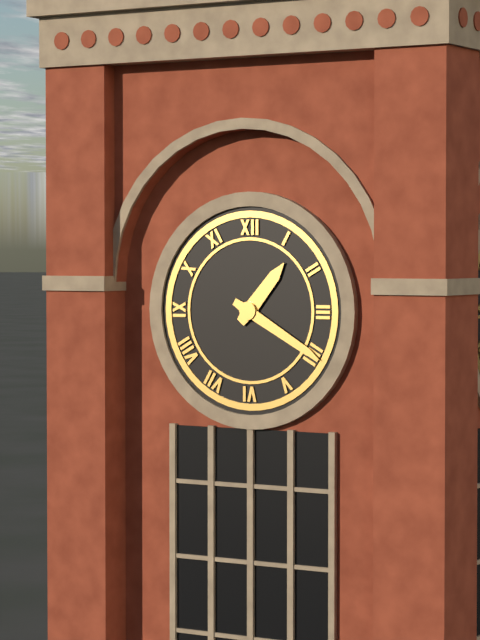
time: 1:20
